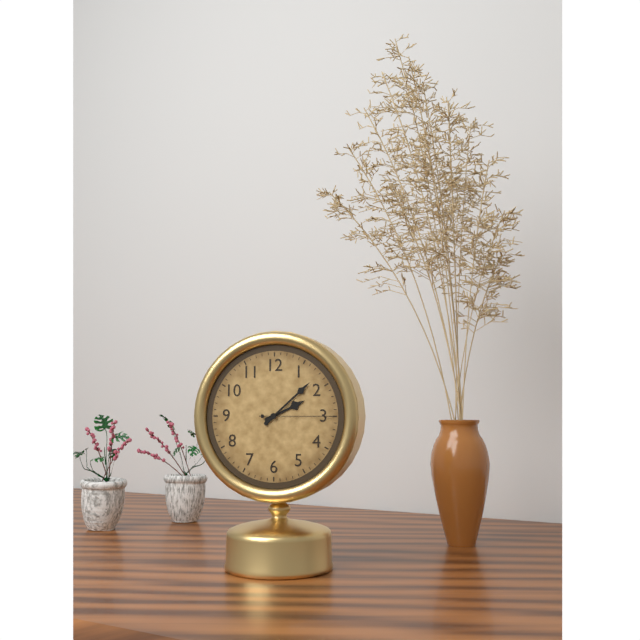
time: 2:08:15
